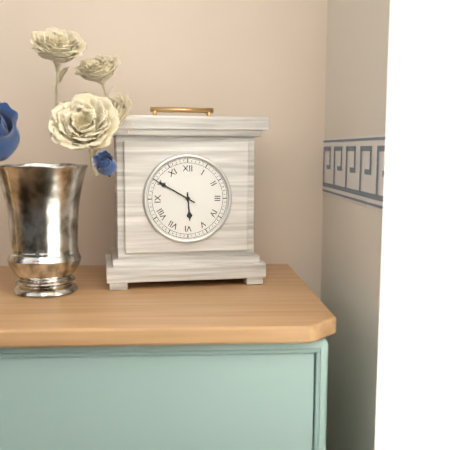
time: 5:50
